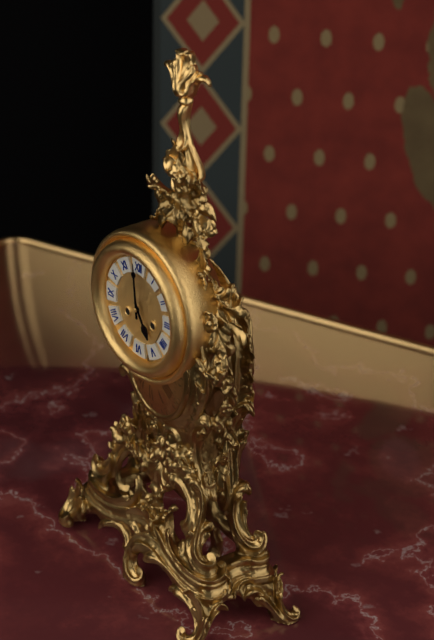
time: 4:59
